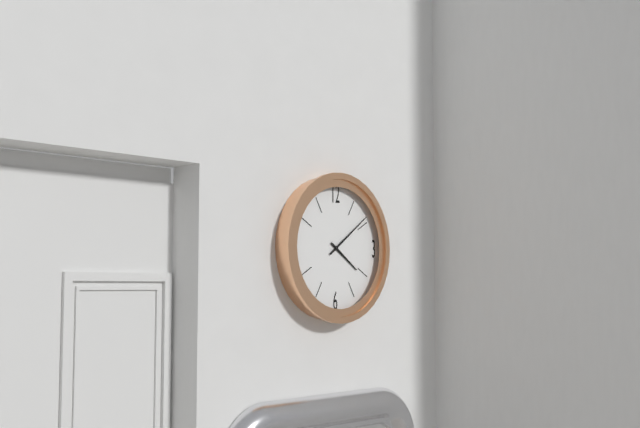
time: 4:09
